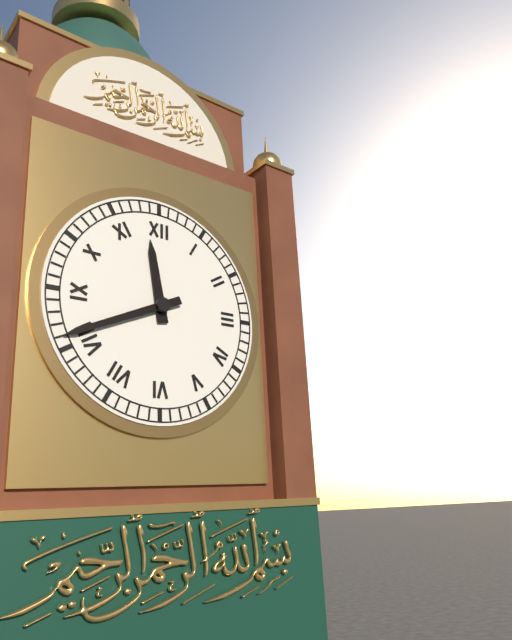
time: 11:41
